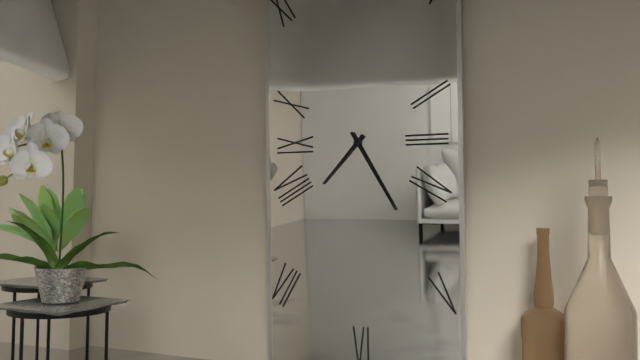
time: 7:25
